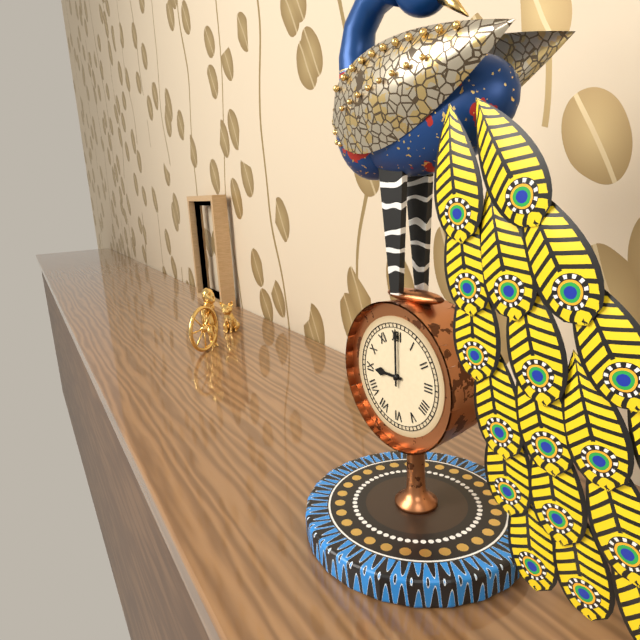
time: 9:00
